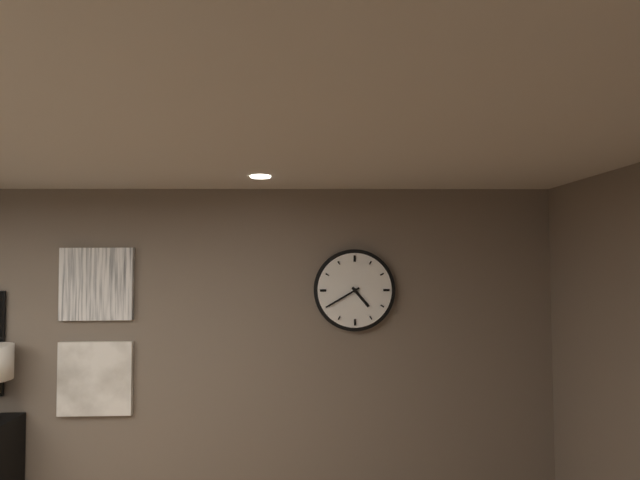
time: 4:40
